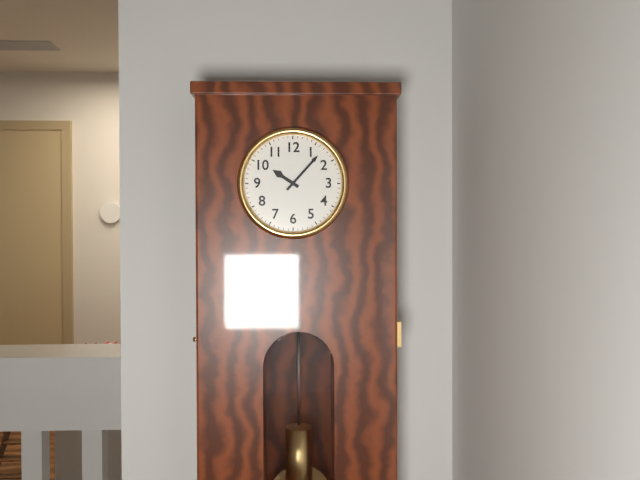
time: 10:07
